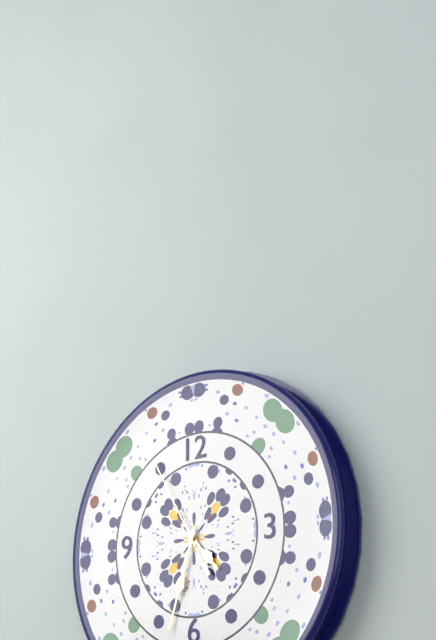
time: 4:33:55
